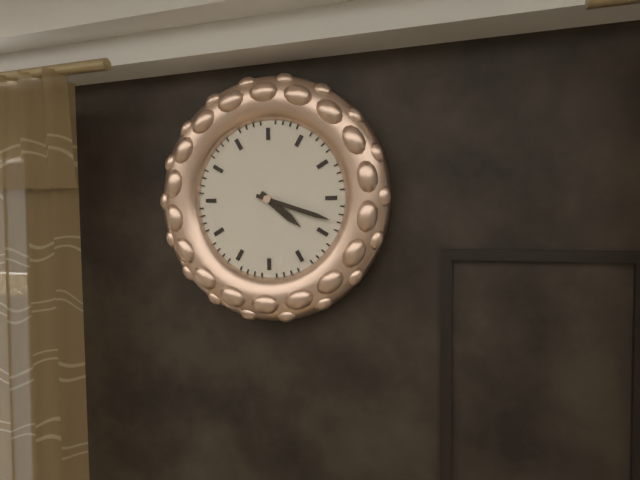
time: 4:18
